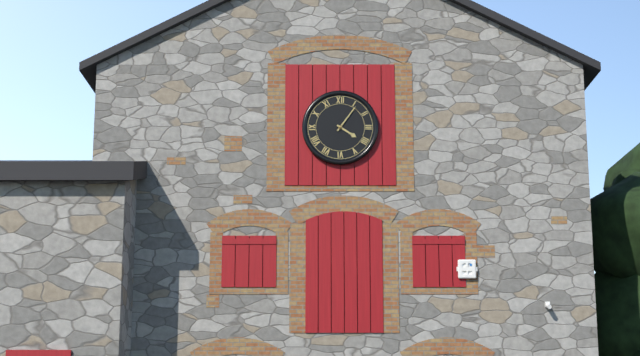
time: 4:06
